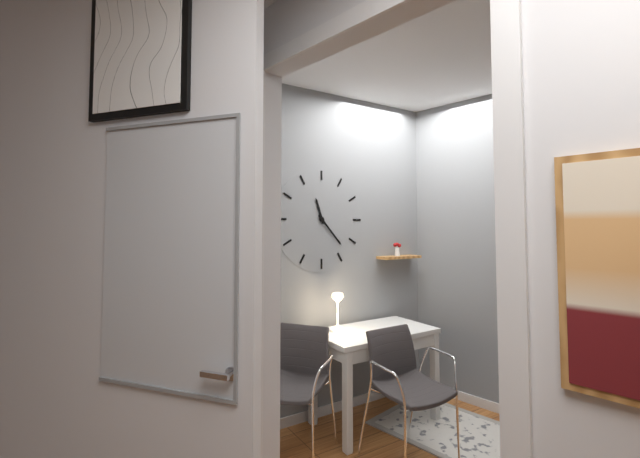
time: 11:23
